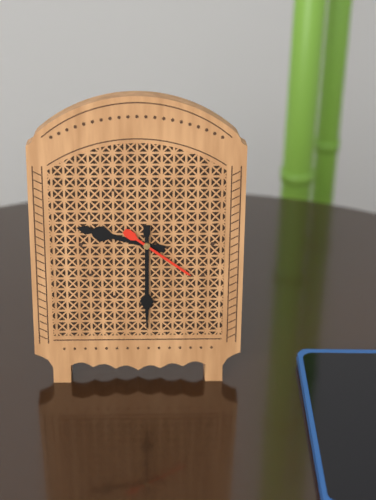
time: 9:30:21
